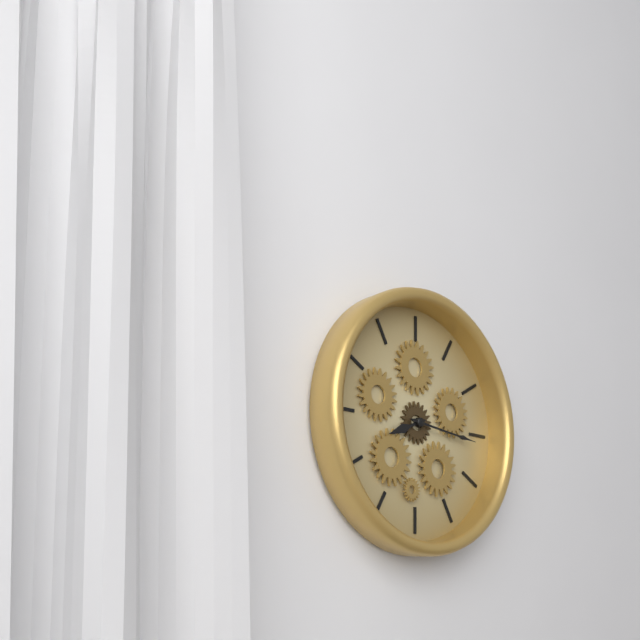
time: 8:16
